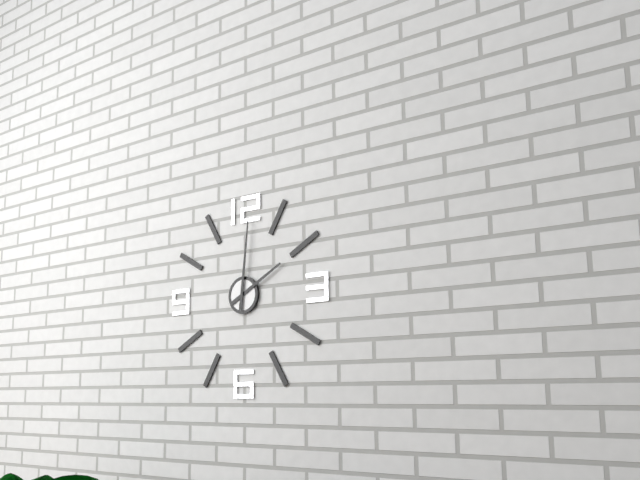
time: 2:01
